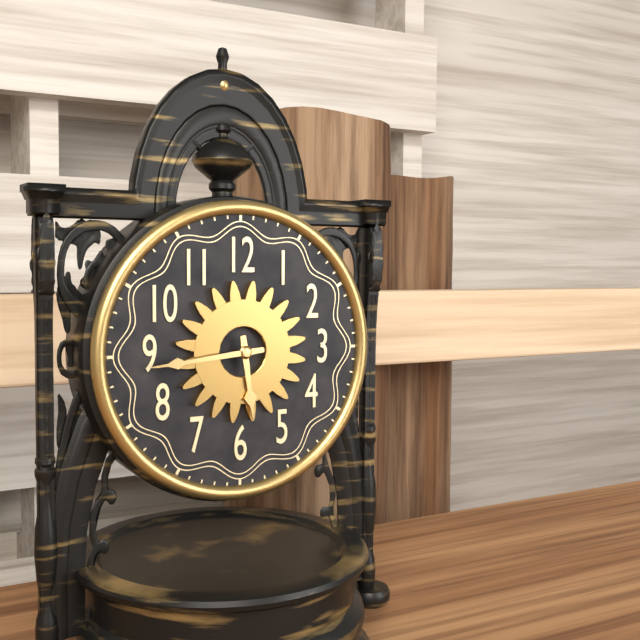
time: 5:44
